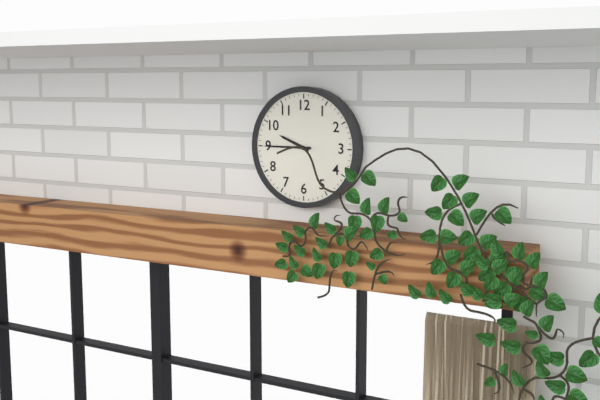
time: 9:45
